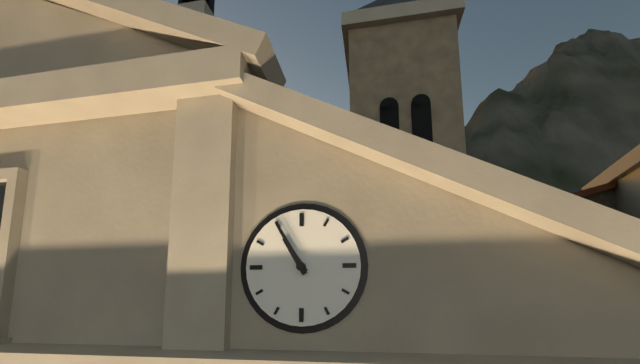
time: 10:55
